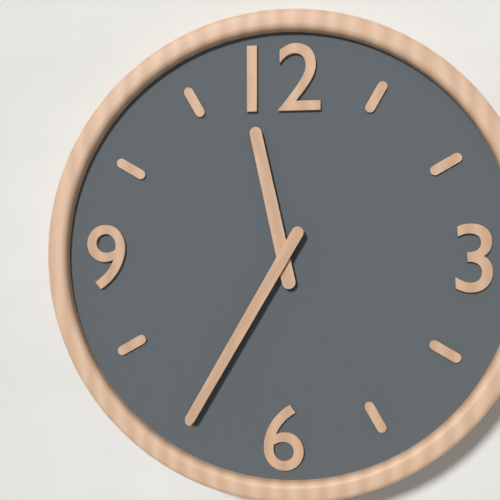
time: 11:35
